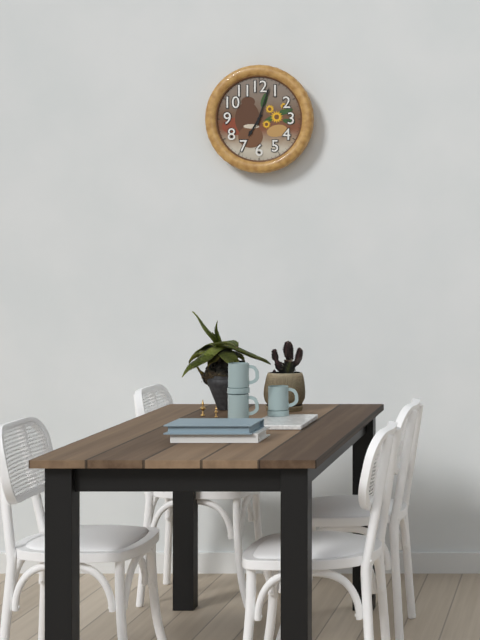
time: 7:03
